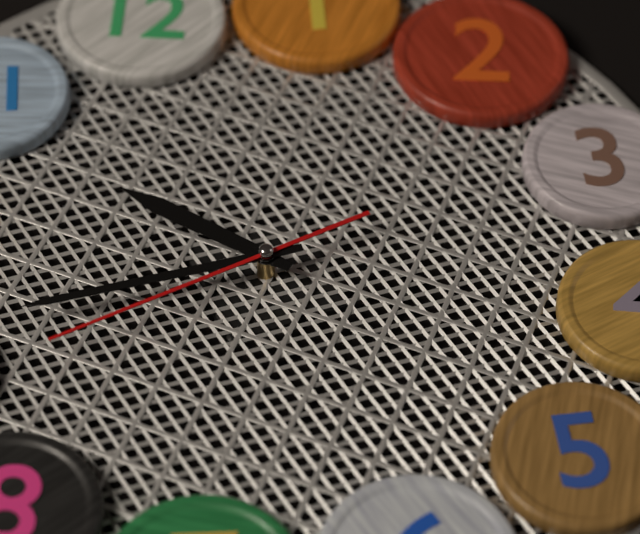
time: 10:46:44
